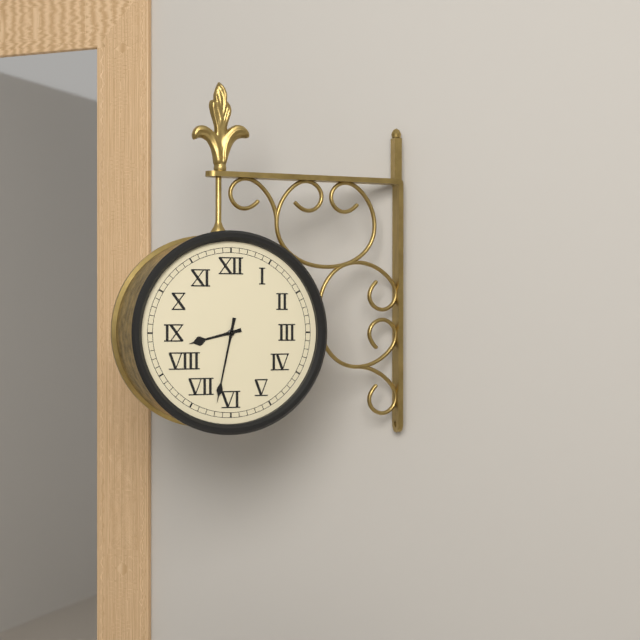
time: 8:32
